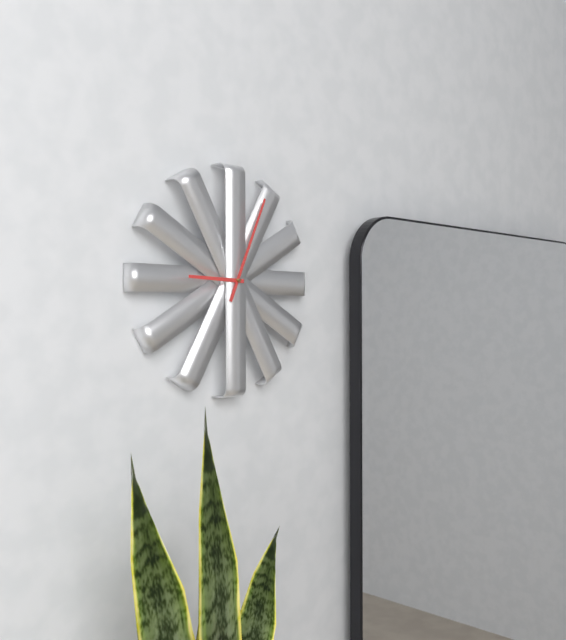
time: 9:04
